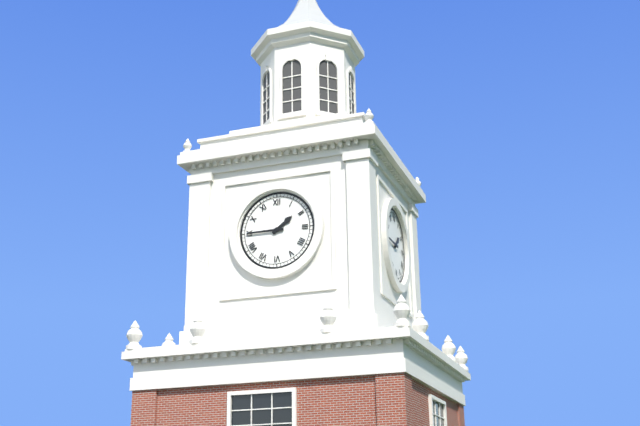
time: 1:45
